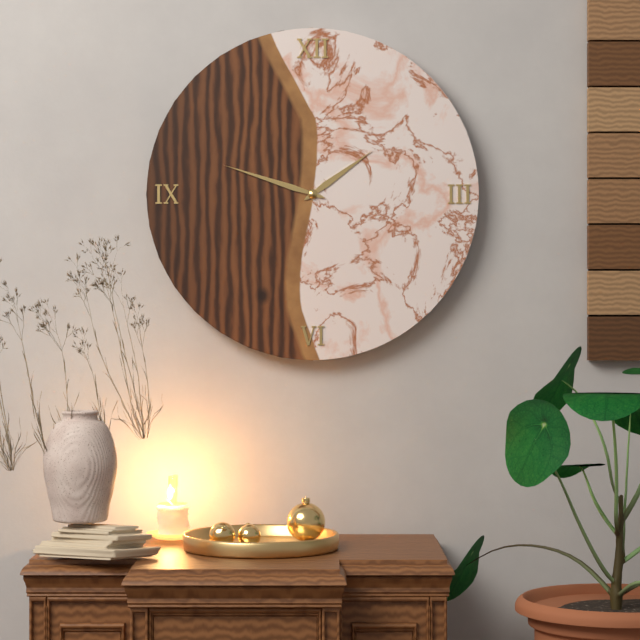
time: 1:48
